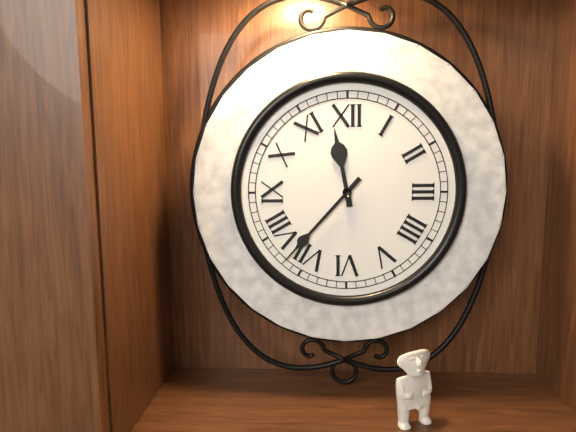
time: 11:37
